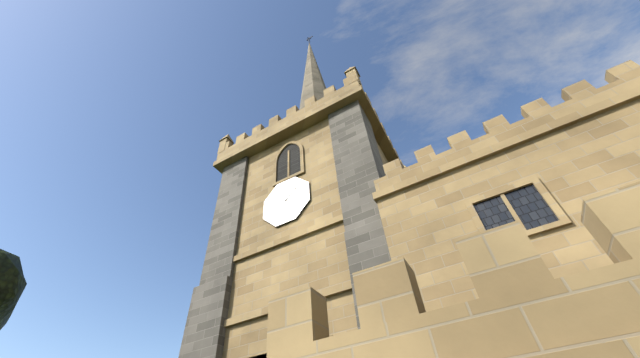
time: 5:08
